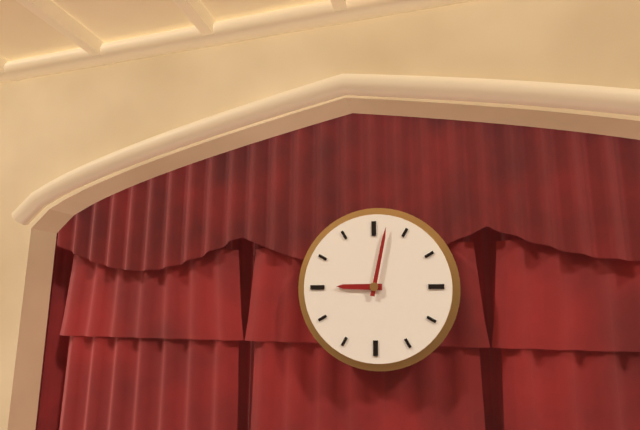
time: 9:02
